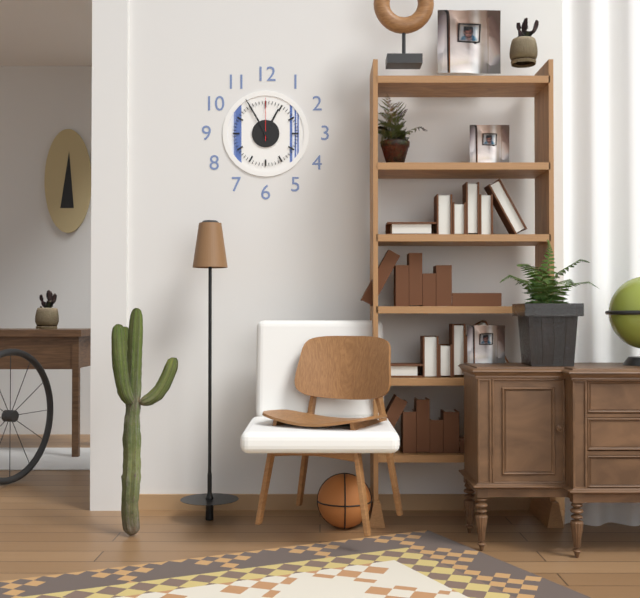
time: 12:55
